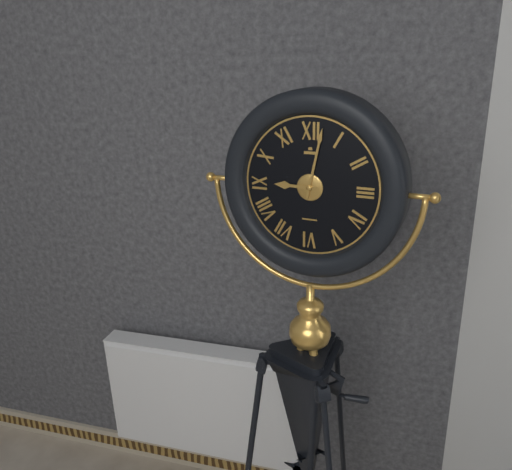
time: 9:02
